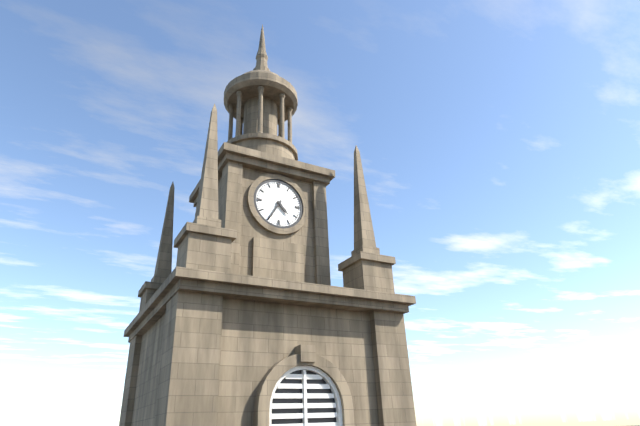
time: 4:35
